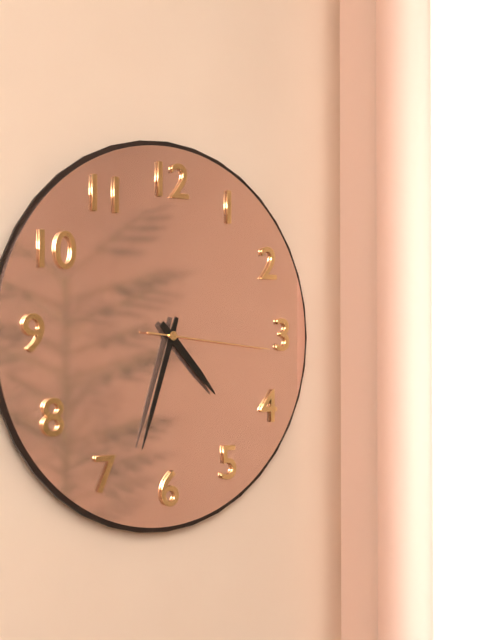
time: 4:33:16
